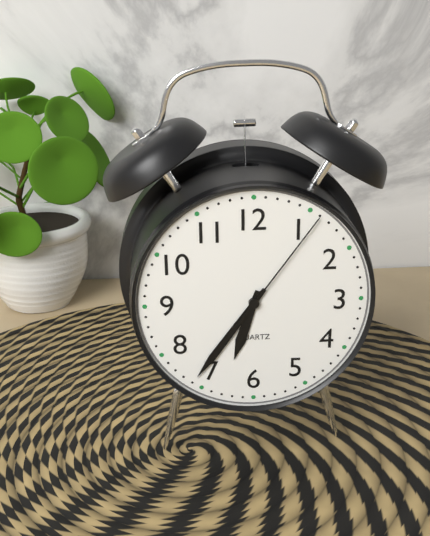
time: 6:36:06
